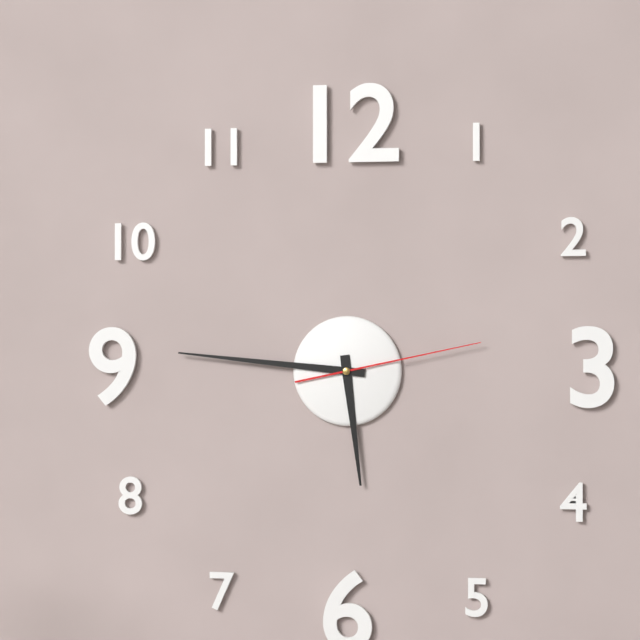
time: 5:46:13
